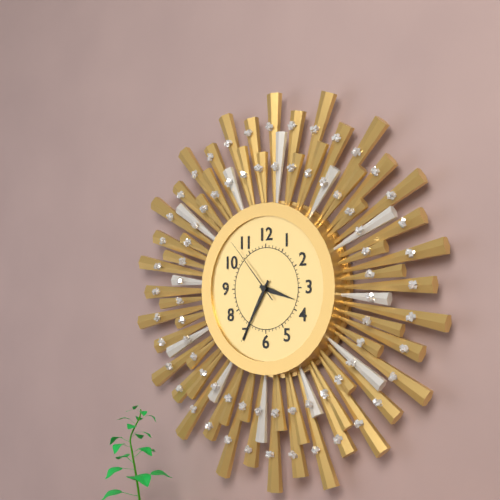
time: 3:35:53
